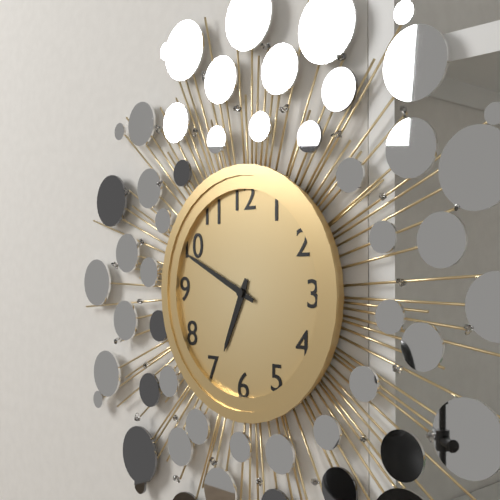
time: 6:49
